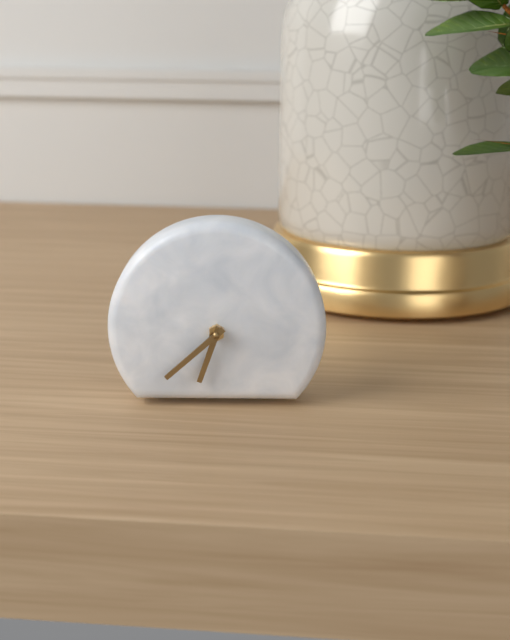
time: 6:38
